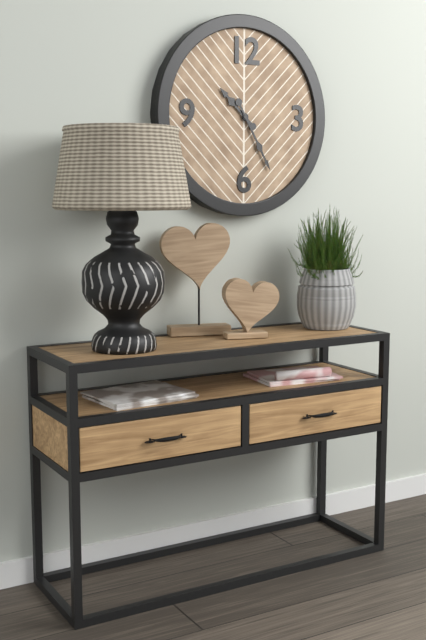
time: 10:25
